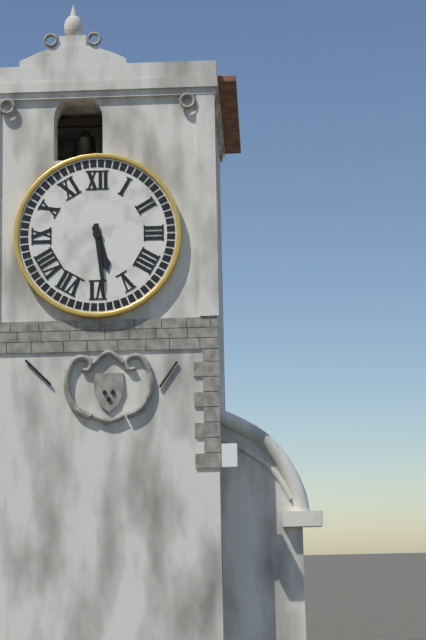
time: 5:29
